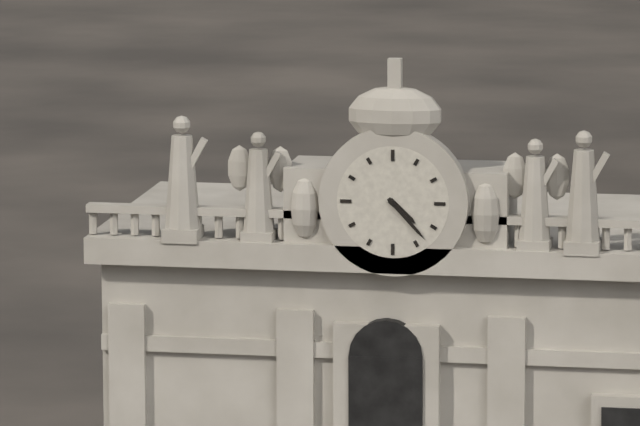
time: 4:23
